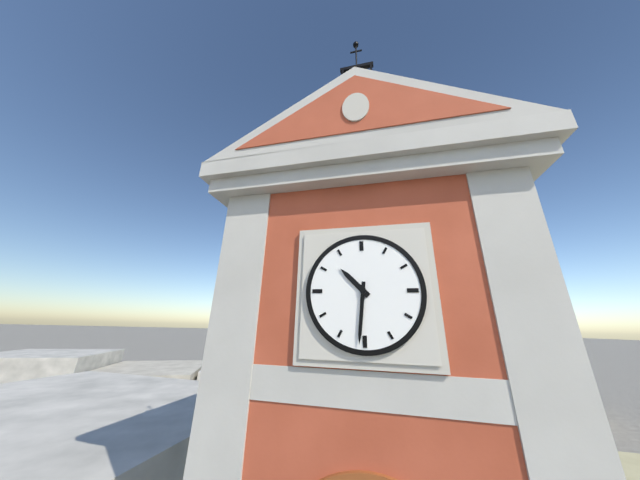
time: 10:31
